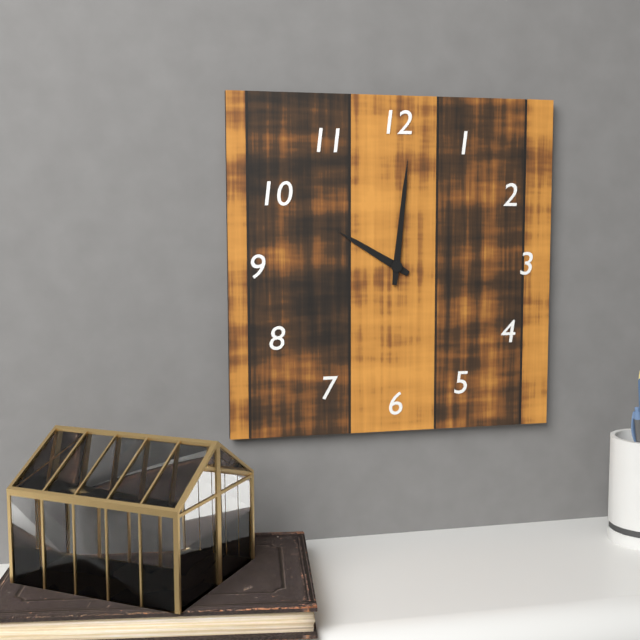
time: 10:01
